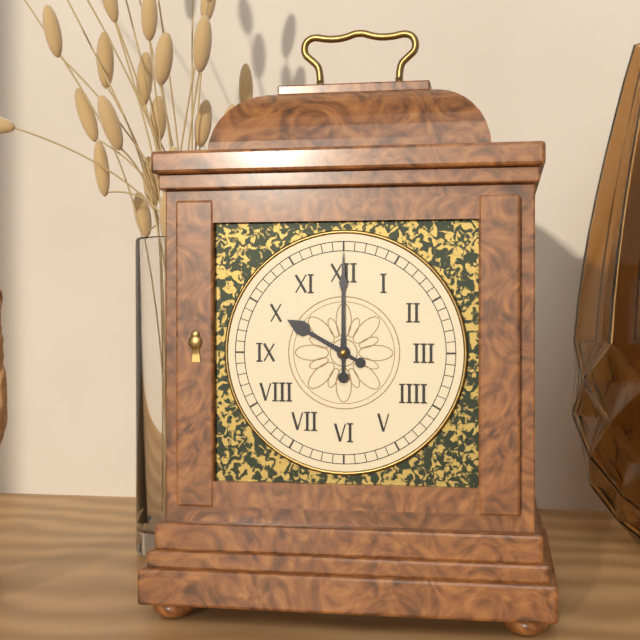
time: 10:00
